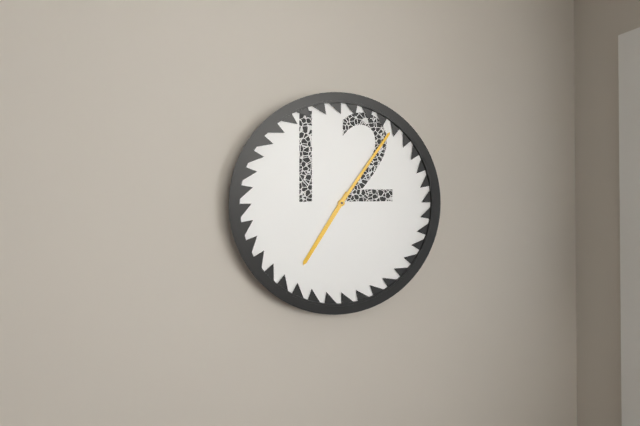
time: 7:06
